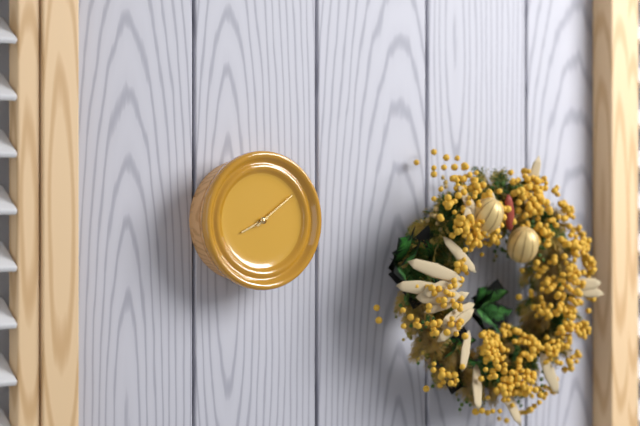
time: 8:09
